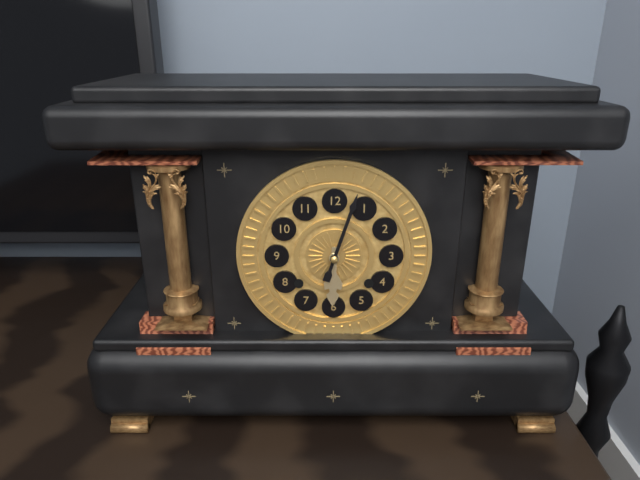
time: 6:03
